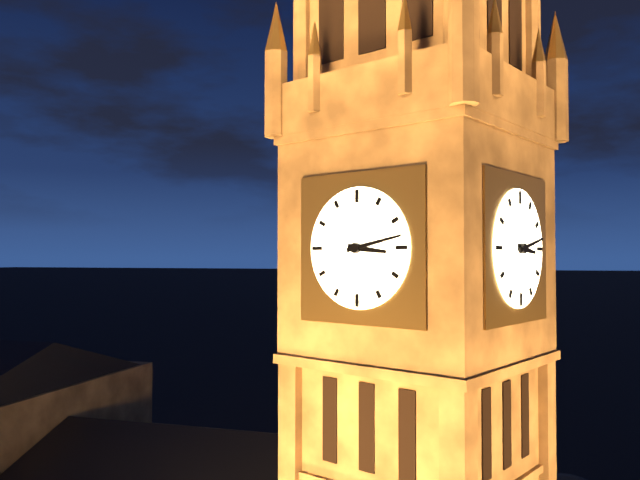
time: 3:13
